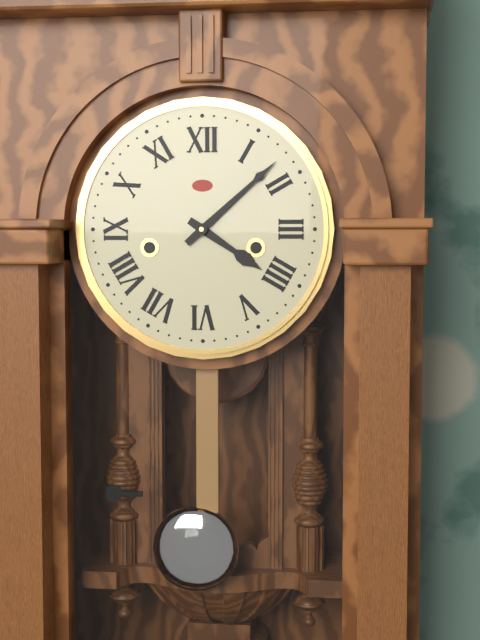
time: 4:08
